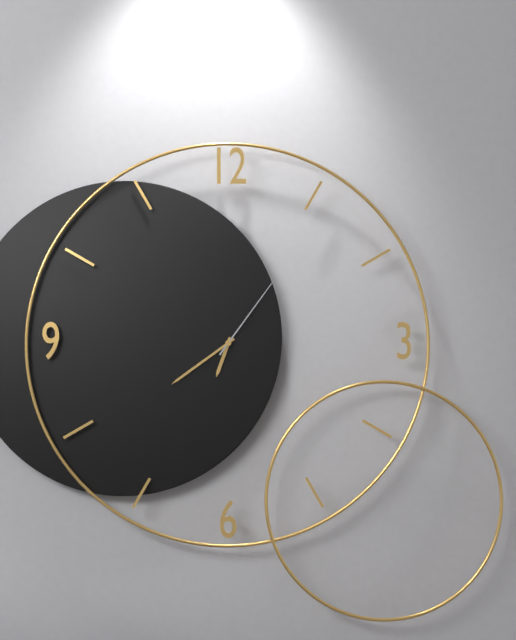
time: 6:39:06
